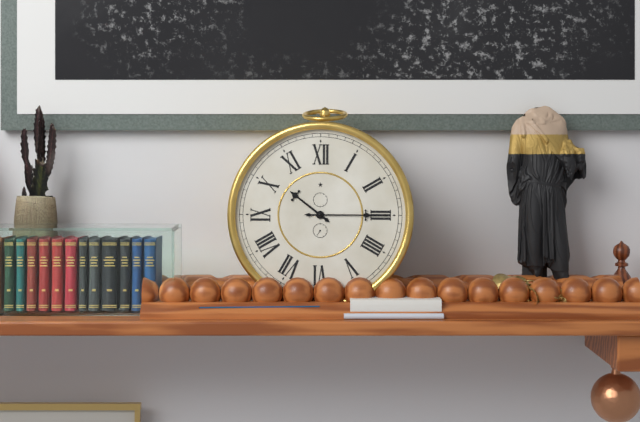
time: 10:15
